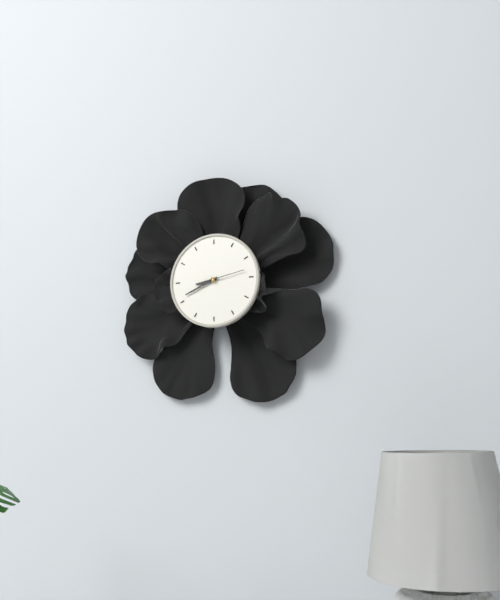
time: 8:41
